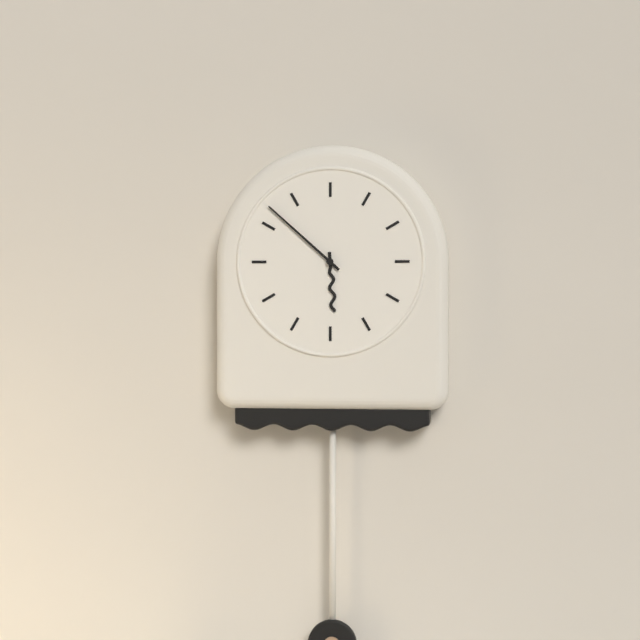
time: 5:52
